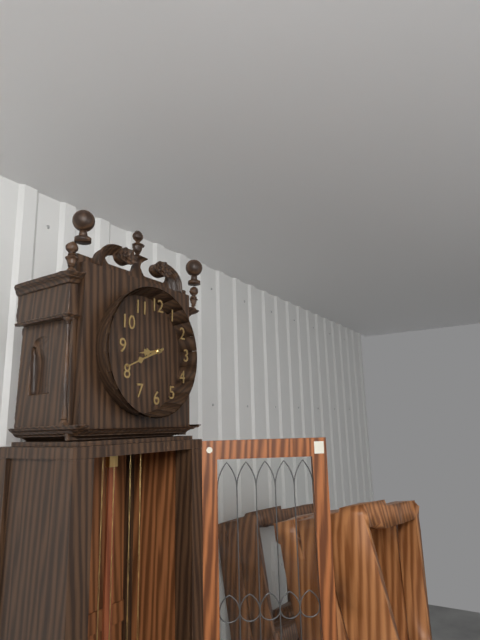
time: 8:41
